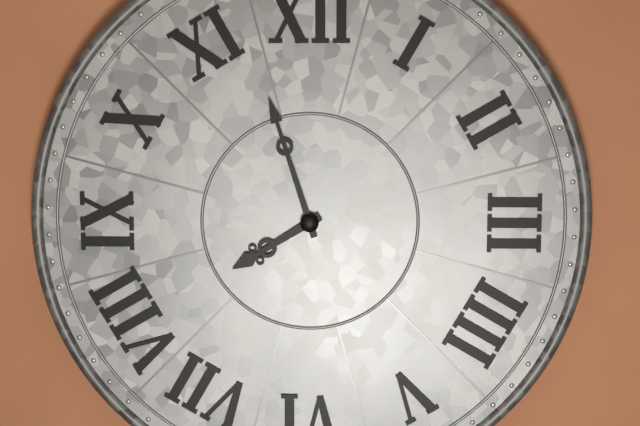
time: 7:57
